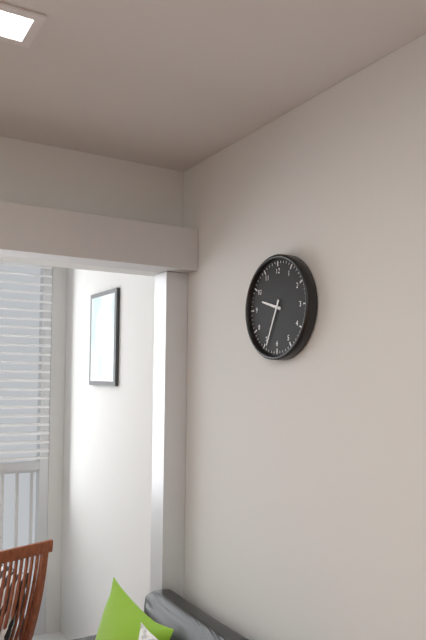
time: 9:34
